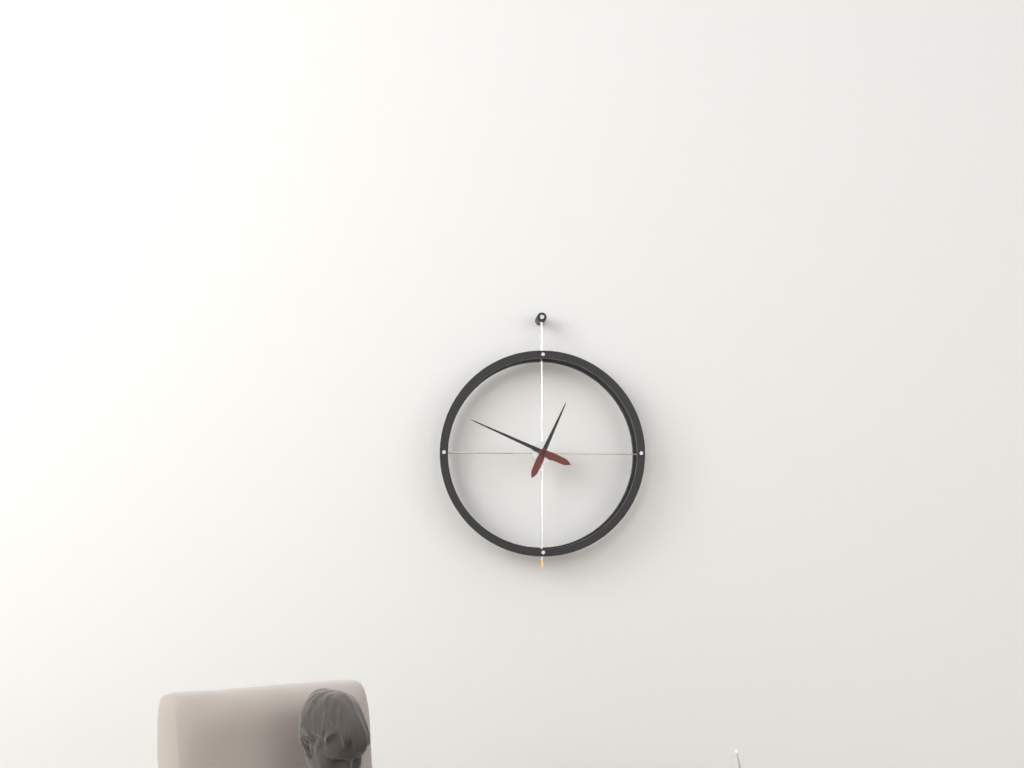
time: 12:49
